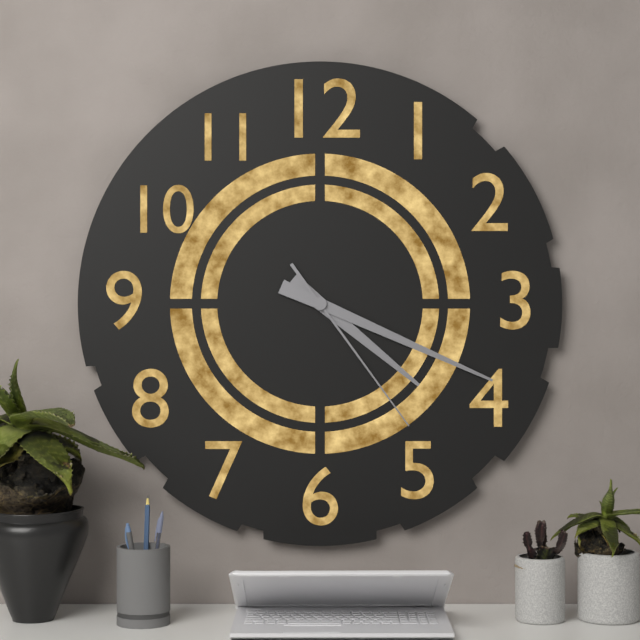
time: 4:19:24
